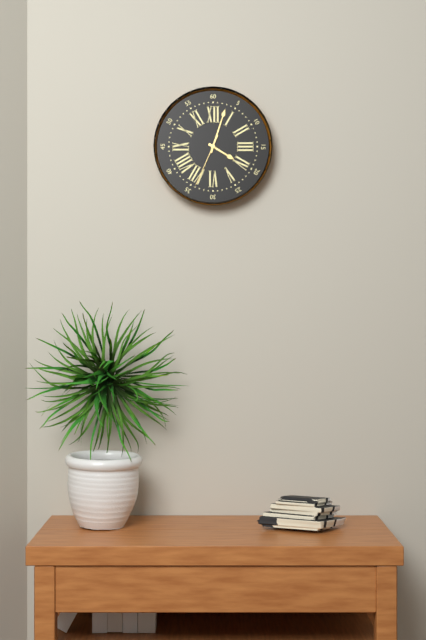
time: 4:03:34
